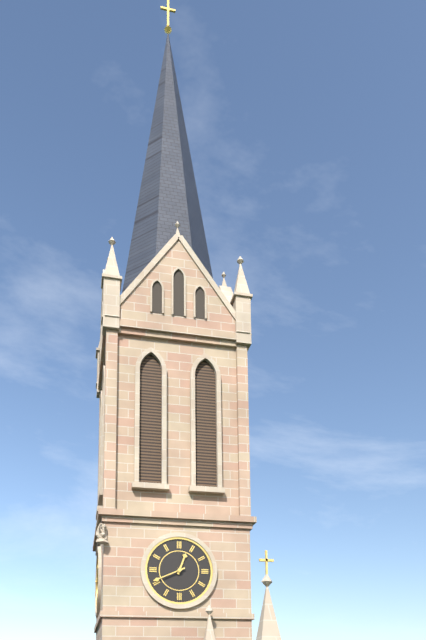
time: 12:41
